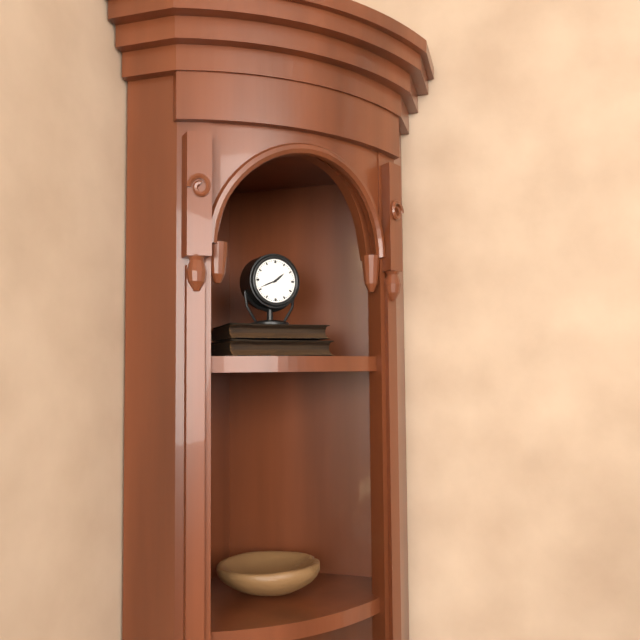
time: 1:41
